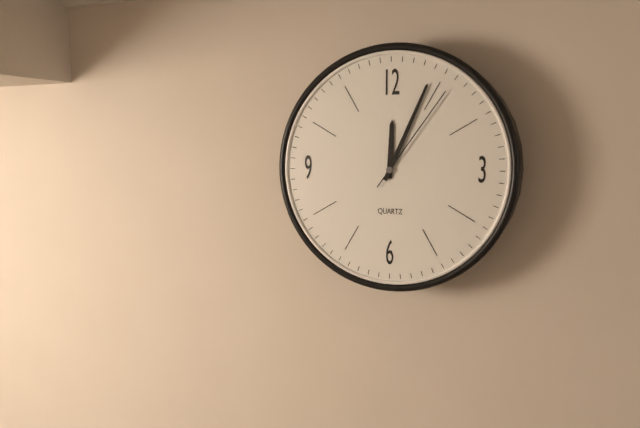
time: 12:04:06
